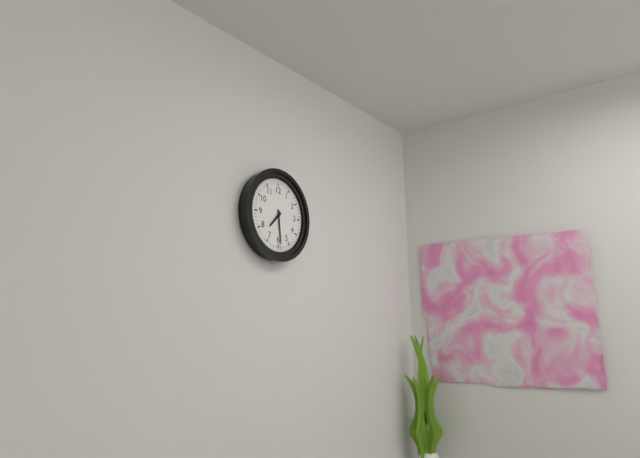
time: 7:29
